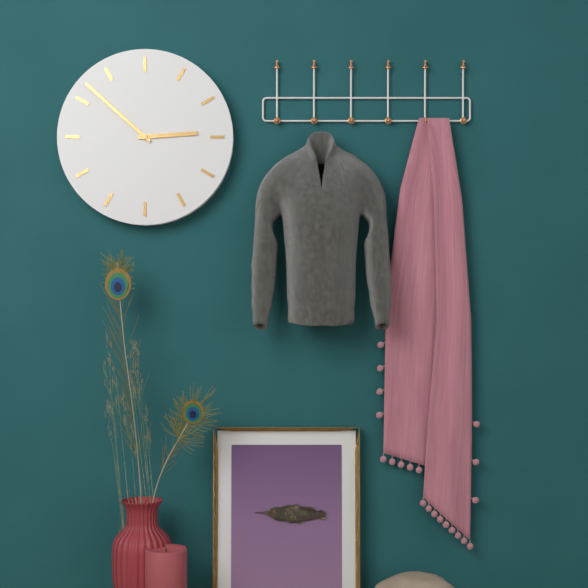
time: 2:52
